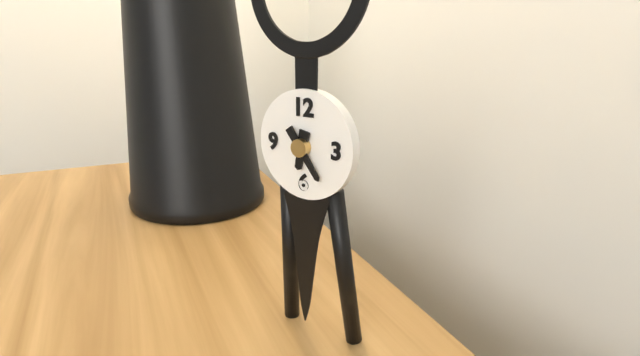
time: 6:24
